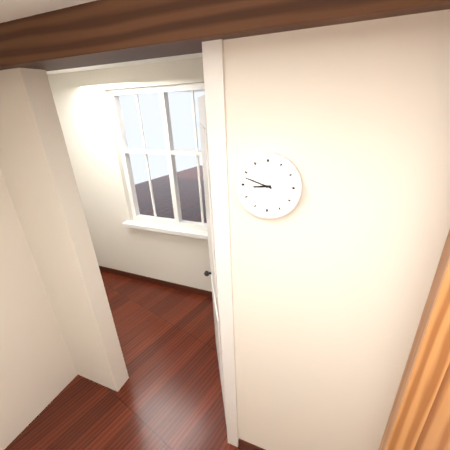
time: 8:48
